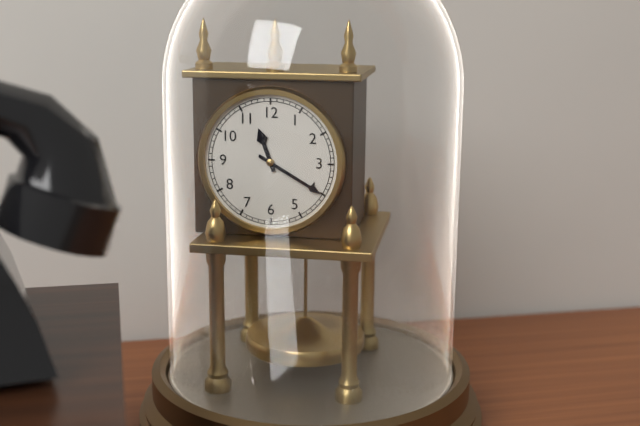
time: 11:20
